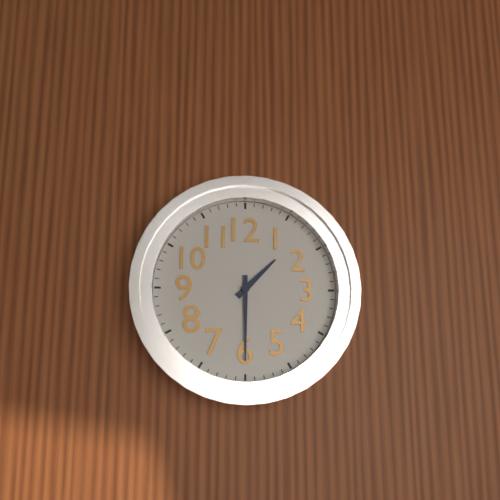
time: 1:30
